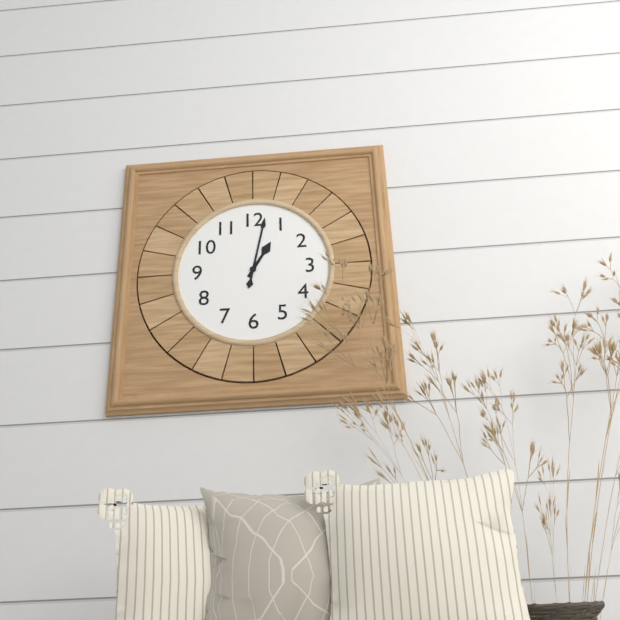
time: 1:02
